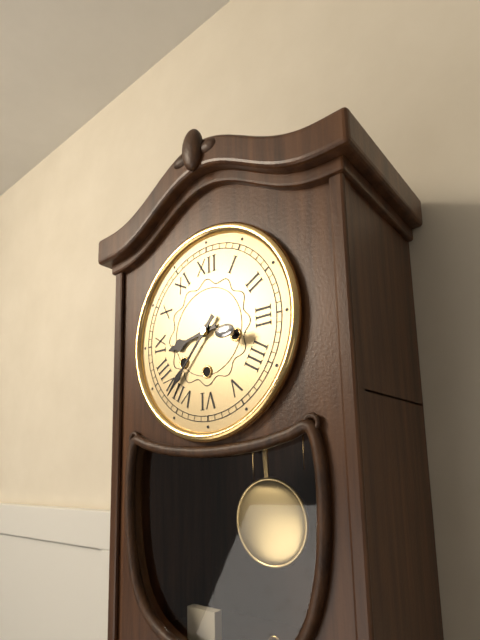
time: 8:37
